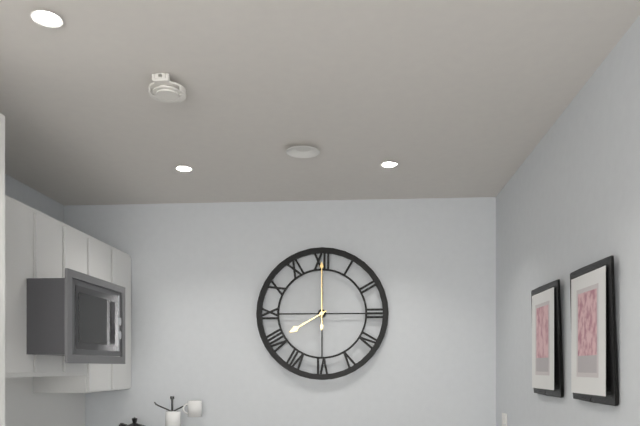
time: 8:00
